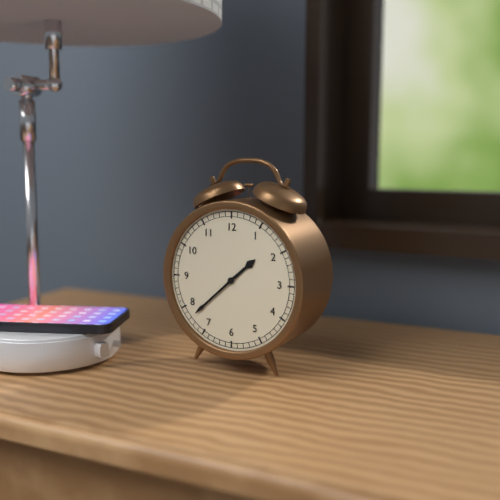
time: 1:38
